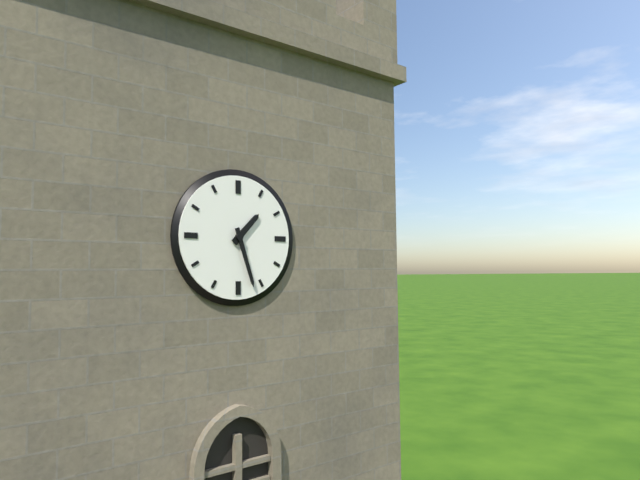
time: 1:27
